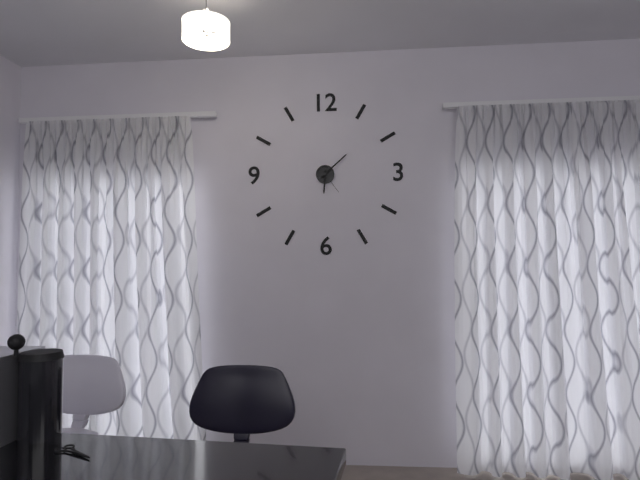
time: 6:08
